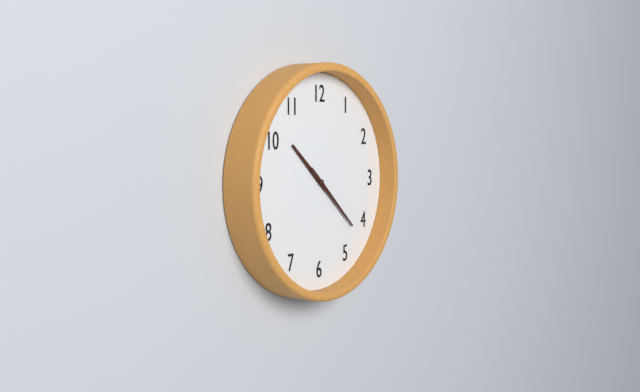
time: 10:22
